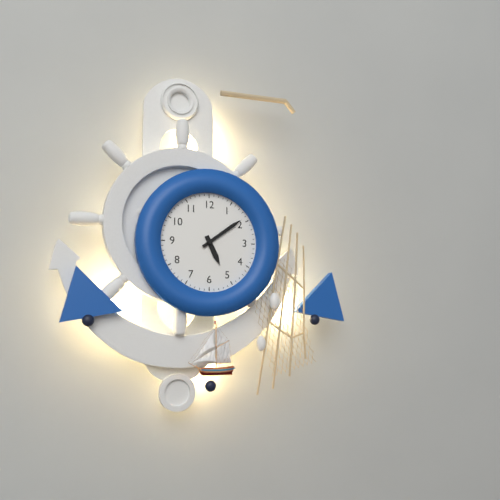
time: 5:09
